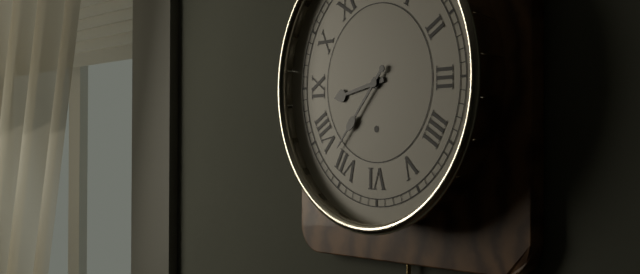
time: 8:37
